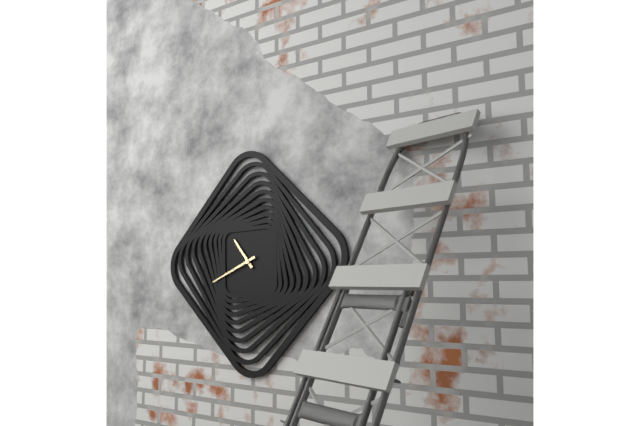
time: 10:41
